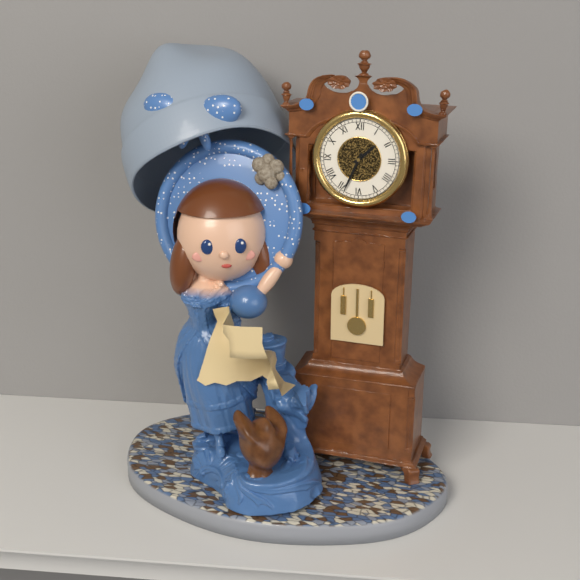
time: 1:34
